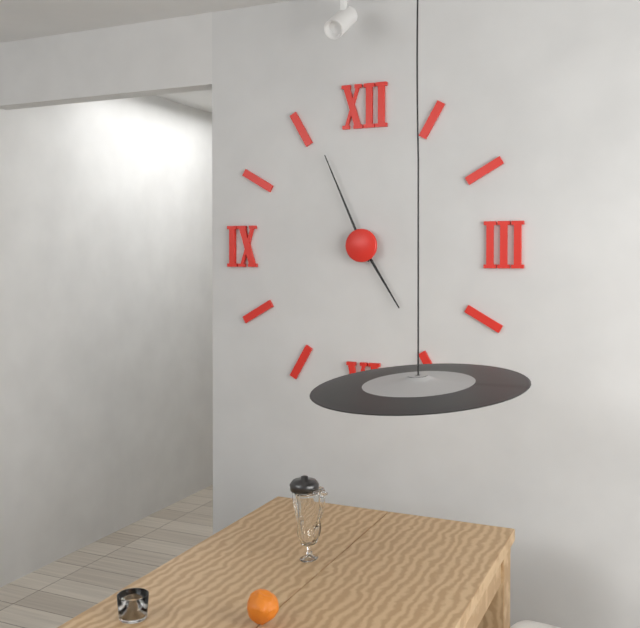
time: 4:56
